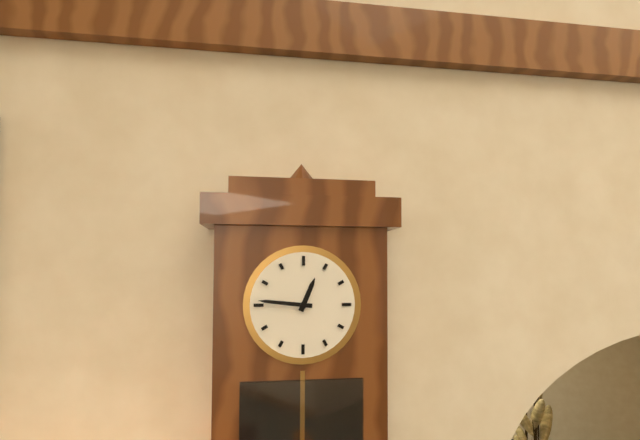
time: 12:46
